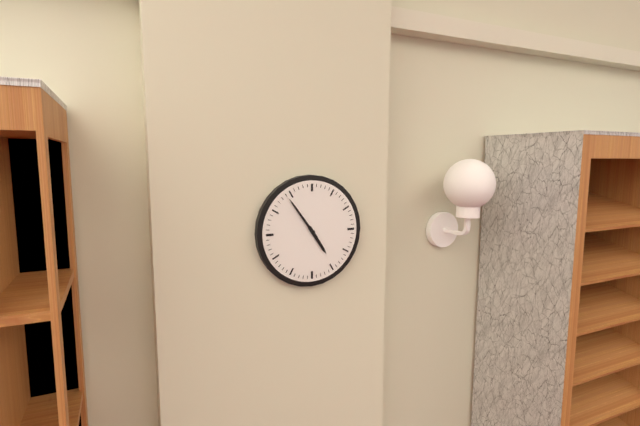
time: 4:54
